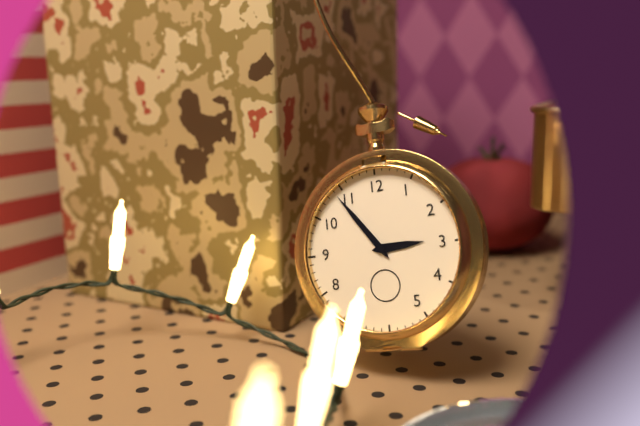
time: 2:54
